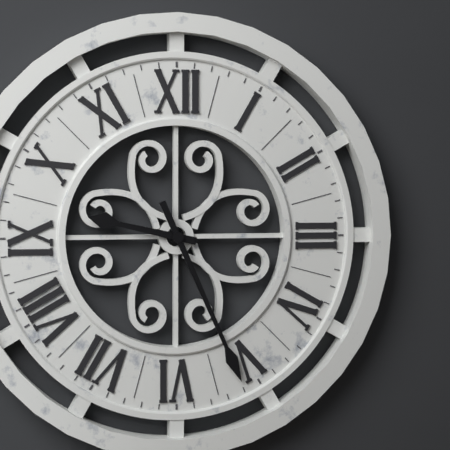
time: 9:26
